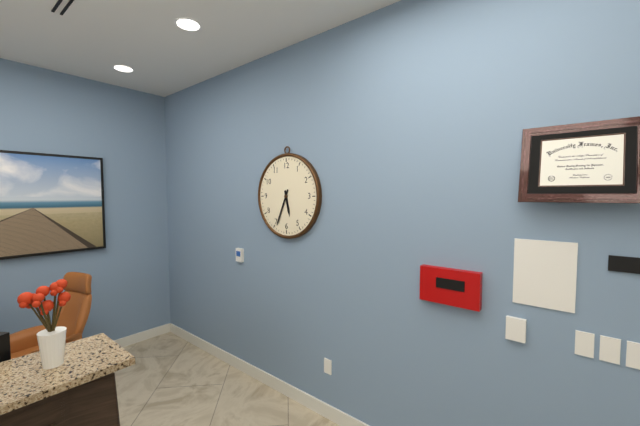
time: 5:34
